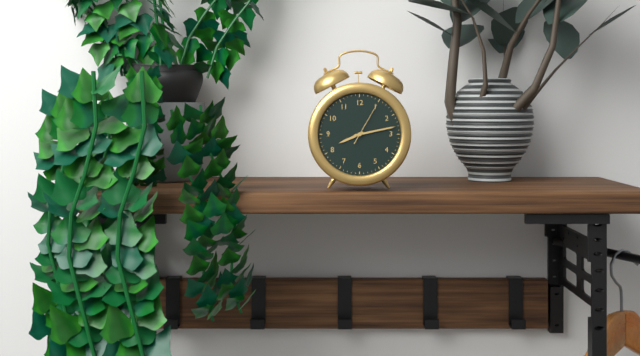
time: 8:13
